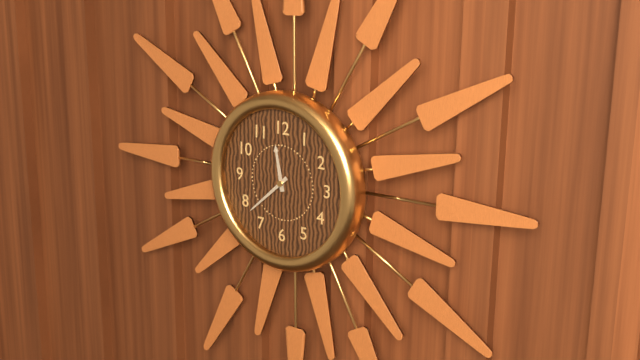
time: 11:38
